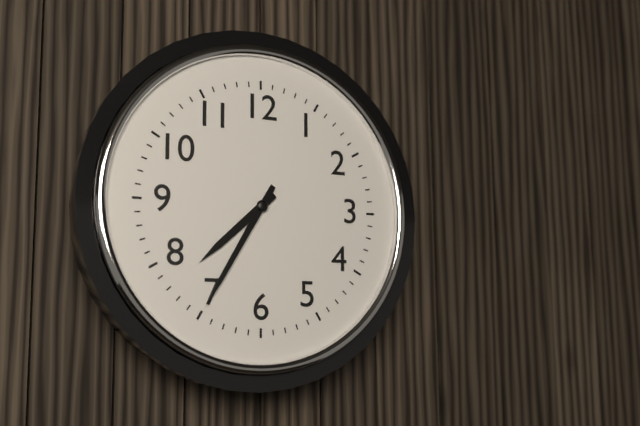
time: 7:35
